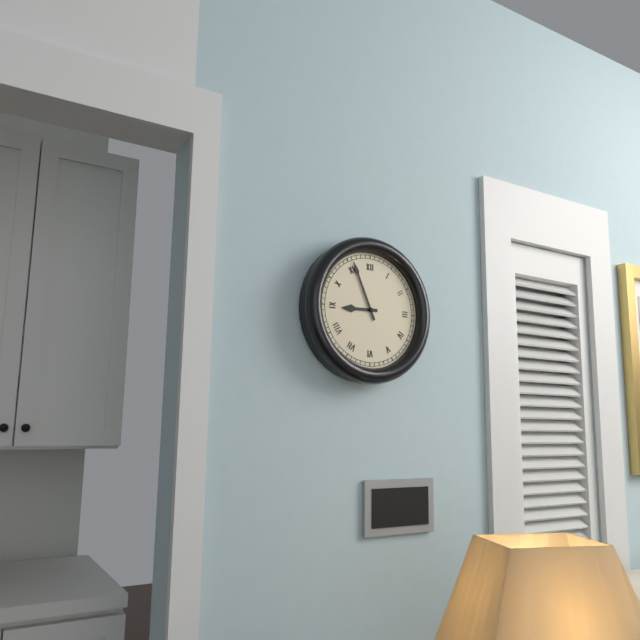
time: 8:56
